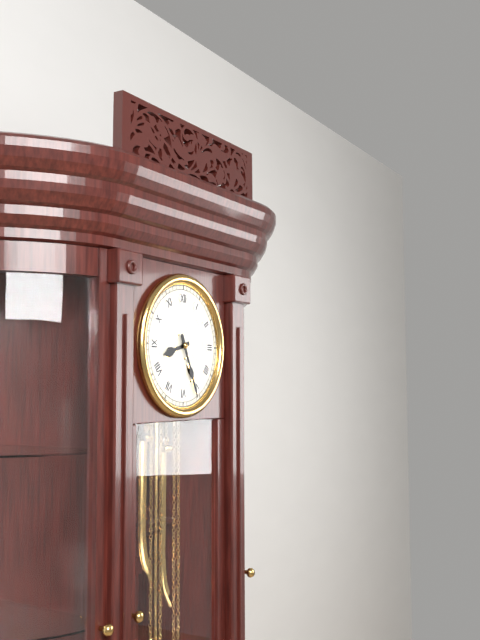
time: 8:26
